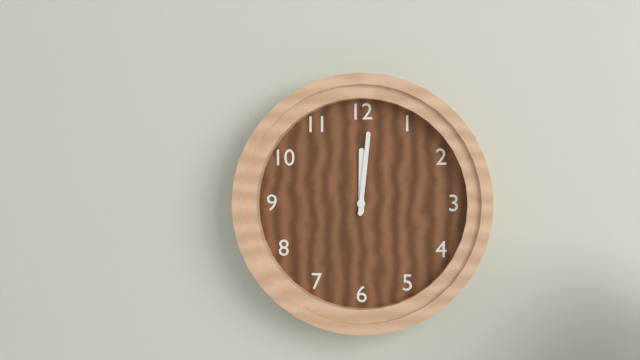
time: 12:01
